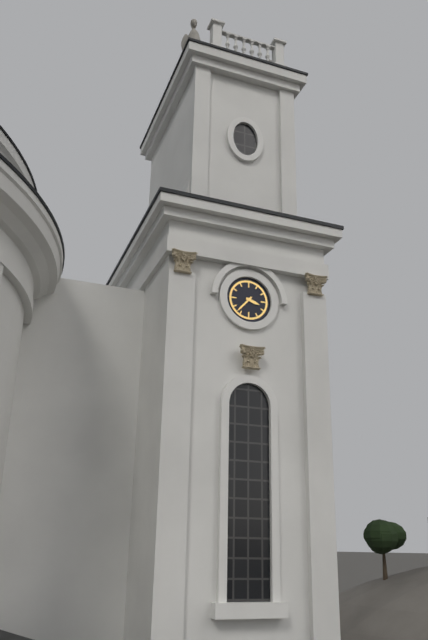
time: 3:37
